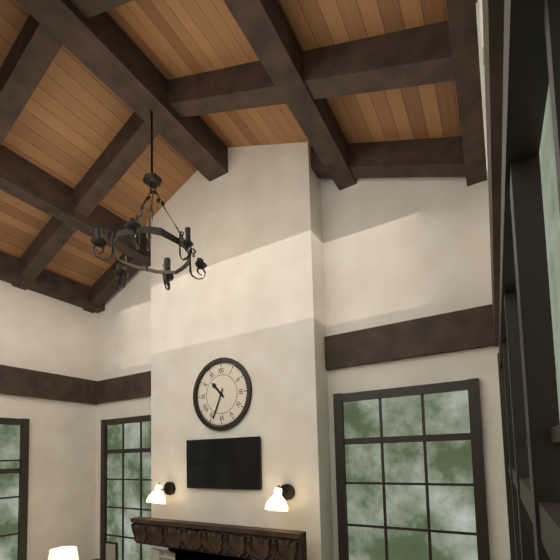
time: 10:34
